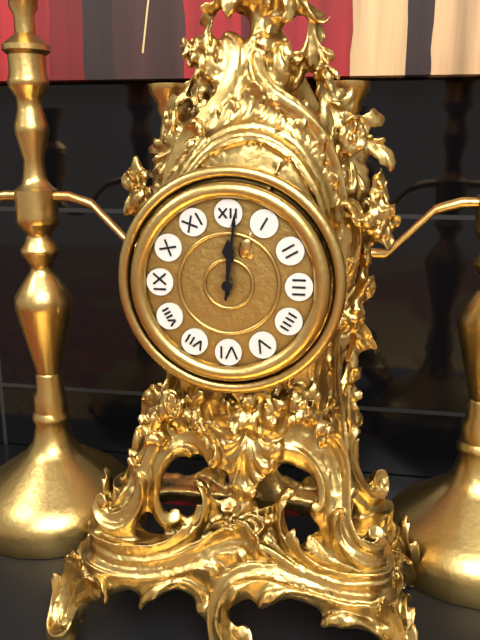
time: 12:01
